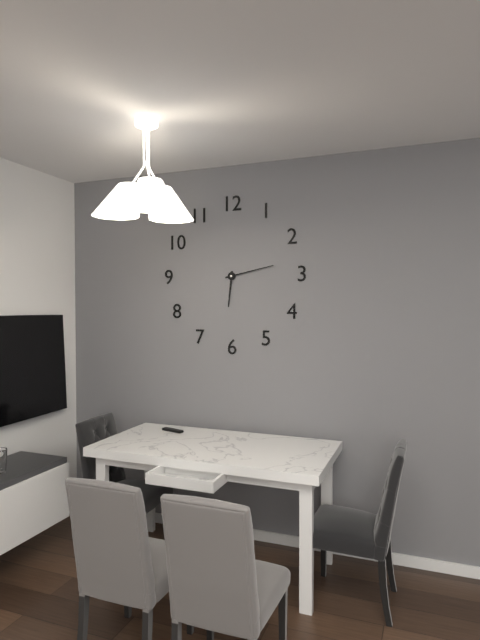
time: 6:13
